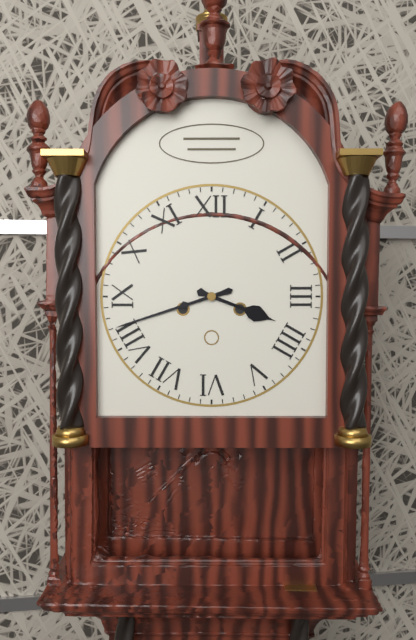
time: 3:42
